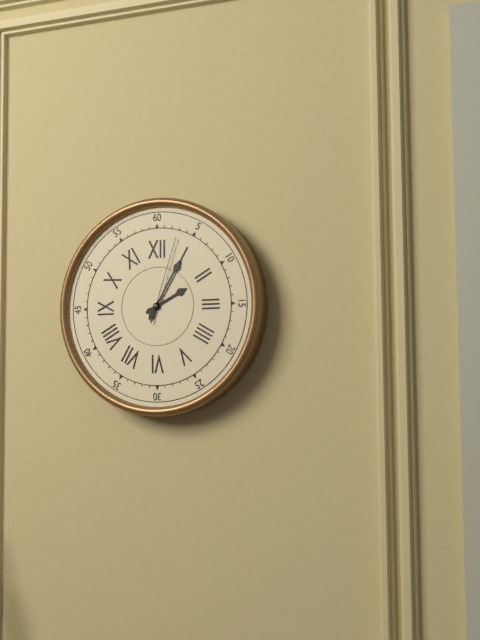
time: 2:05:03
